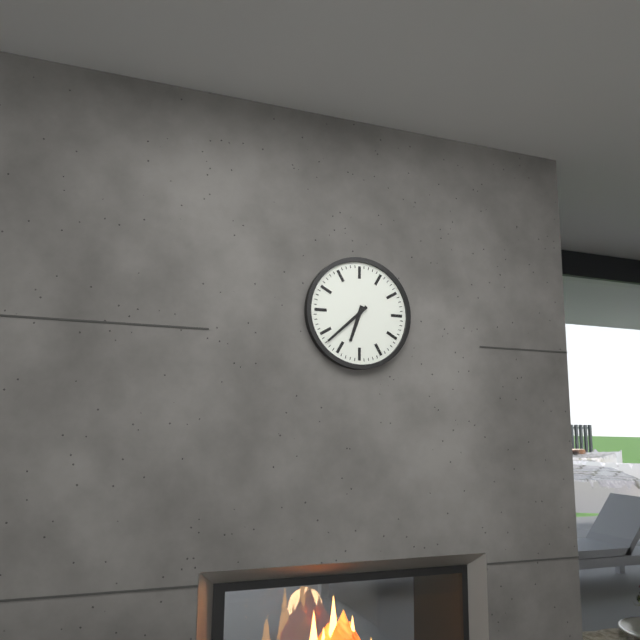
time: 6:38
